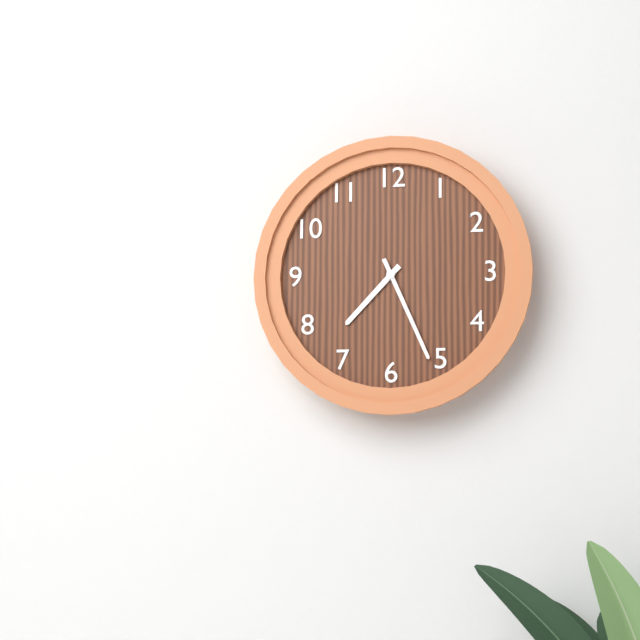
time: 7:26
